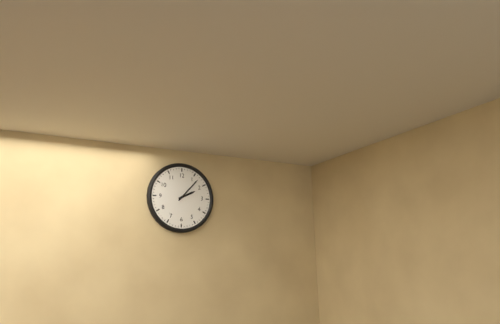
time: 2:07
